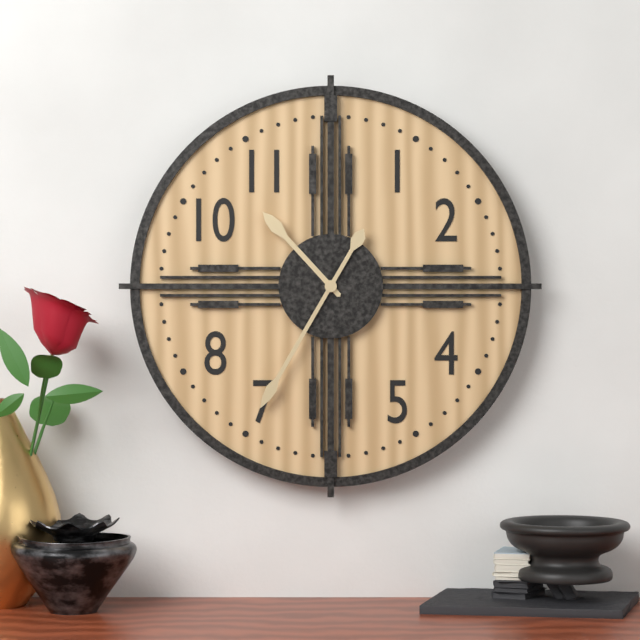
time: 10:35
